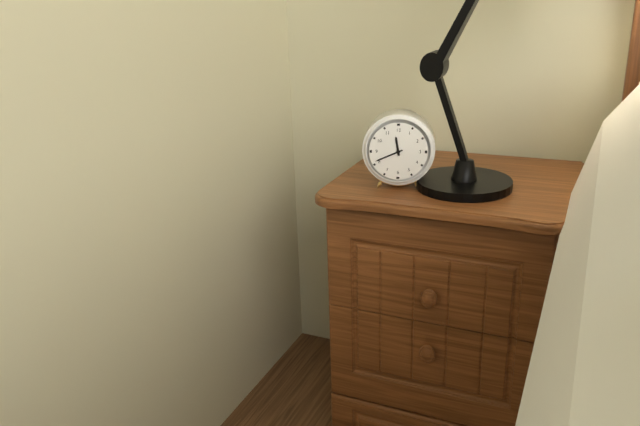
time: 11:41
